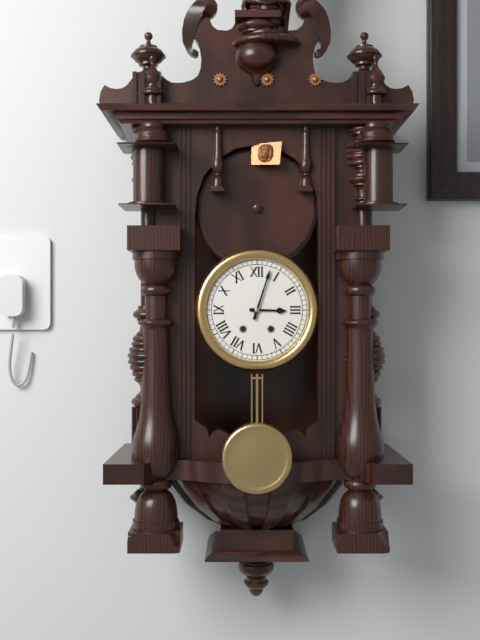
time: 3:03
